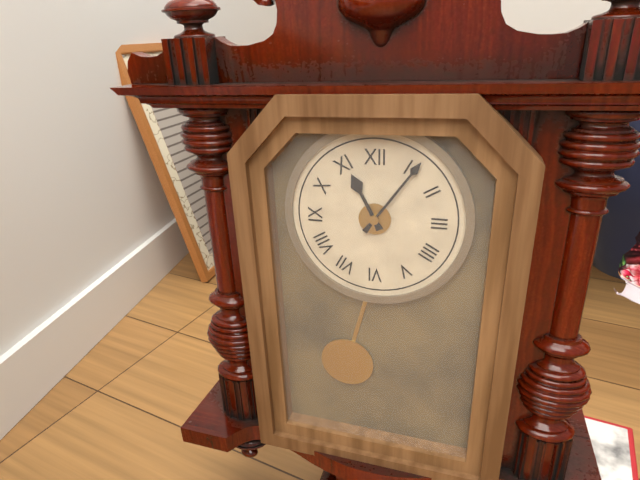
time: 11:06
